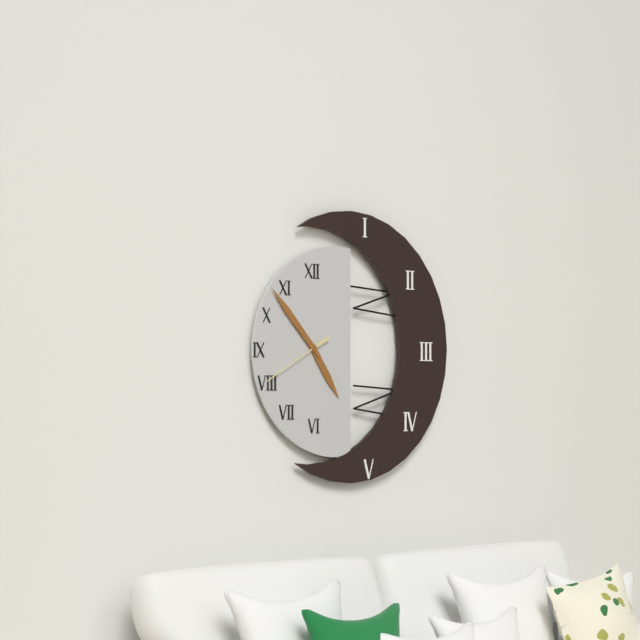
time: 4:53:40
